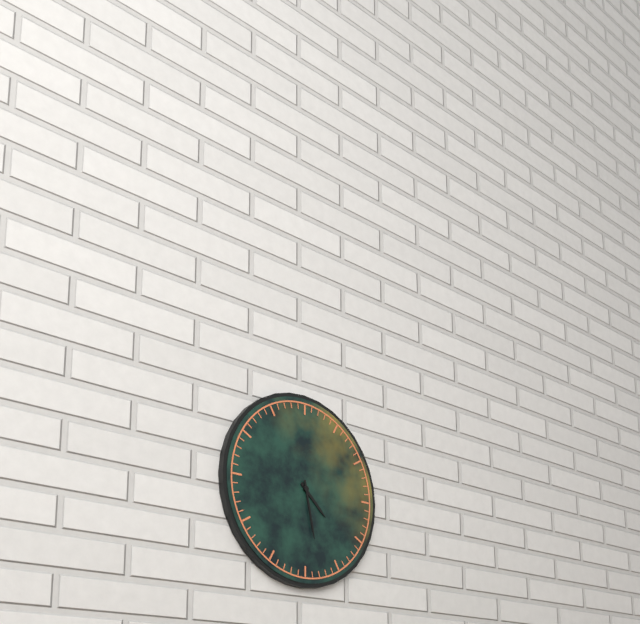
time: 4:28
